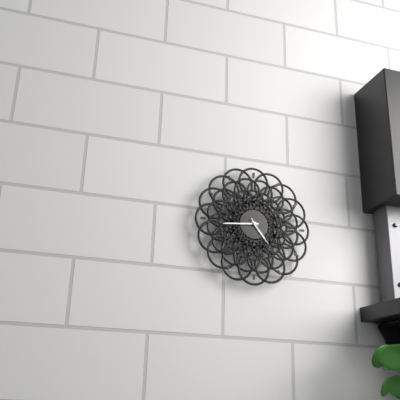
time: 4:44
